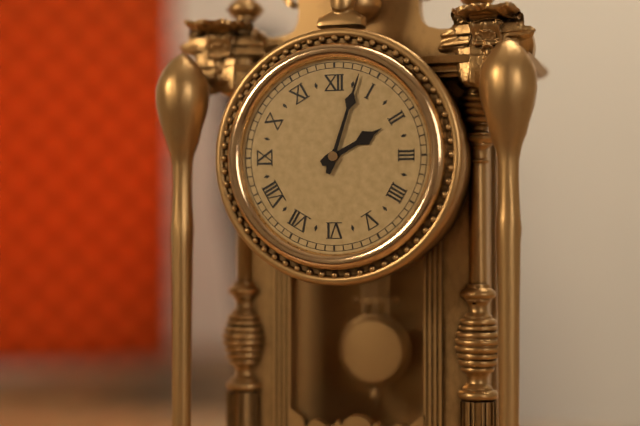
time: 2:03
